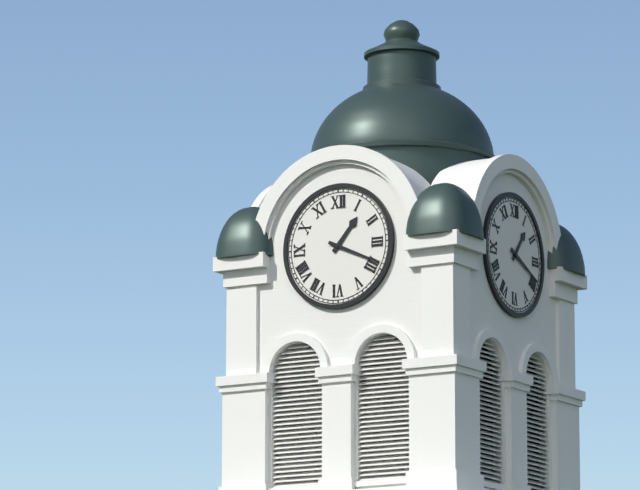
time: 1:19
